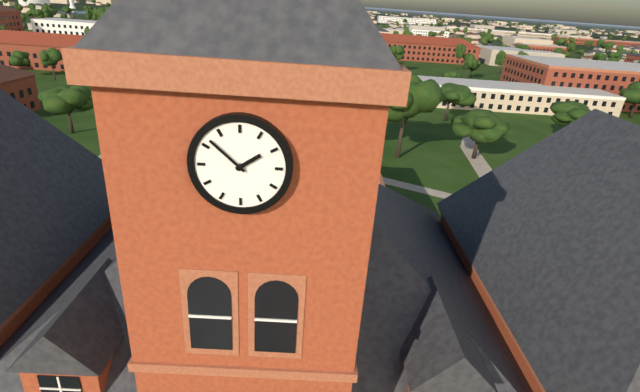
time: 1:52
